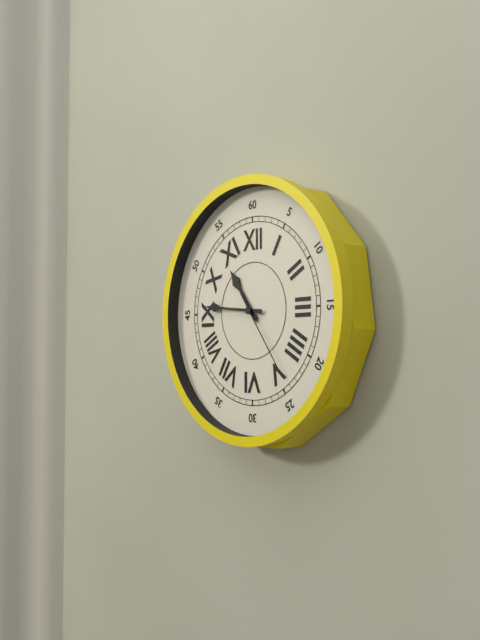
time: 10:46:24
